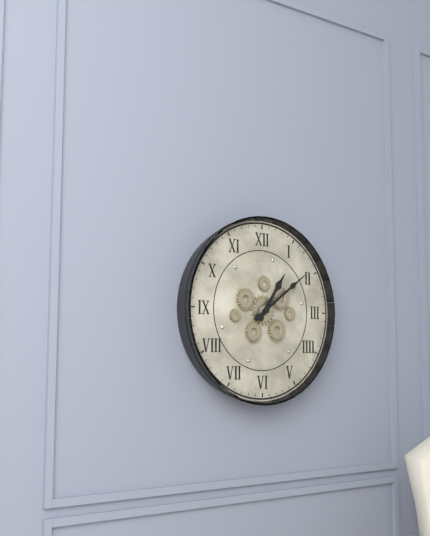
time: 1:09
